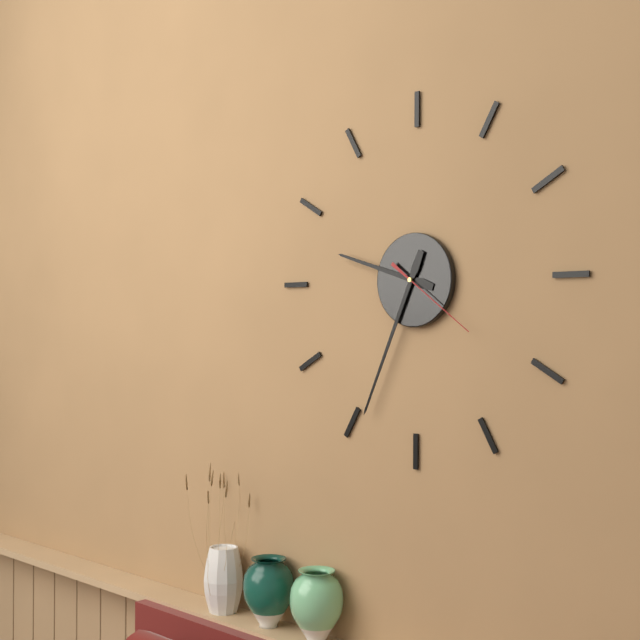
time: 9:34:21
